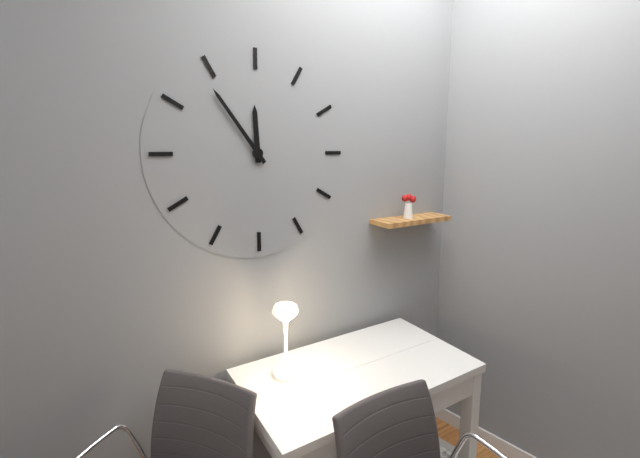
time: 11:54
